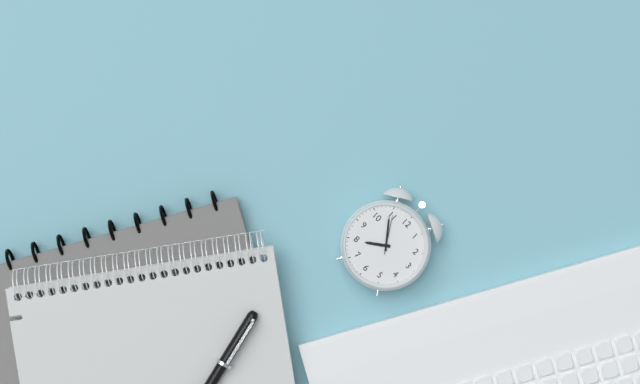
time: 7:54
